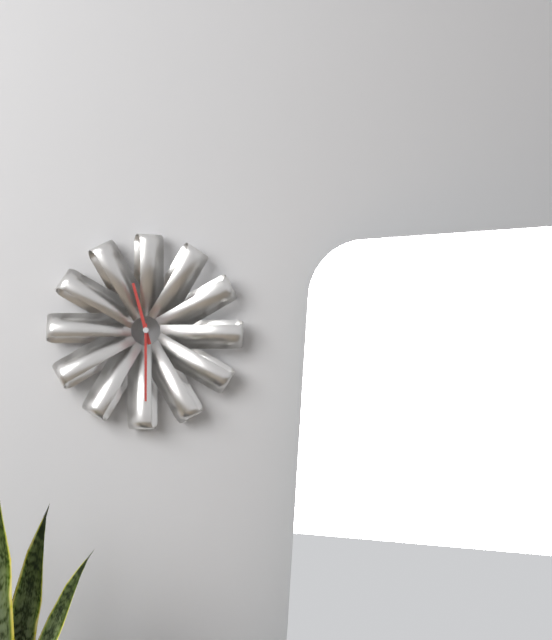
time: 11:30
